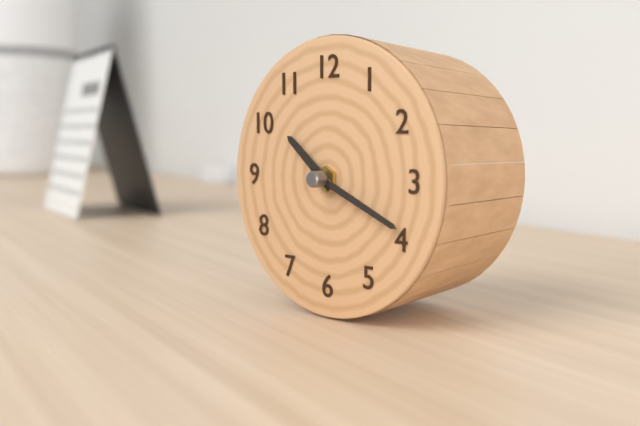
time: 10:19
